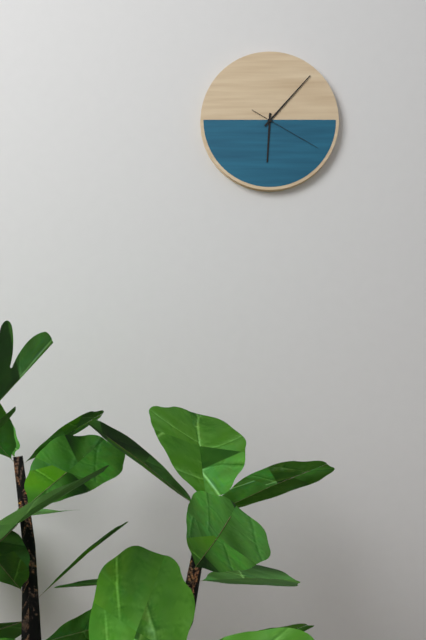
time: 6:07:20
